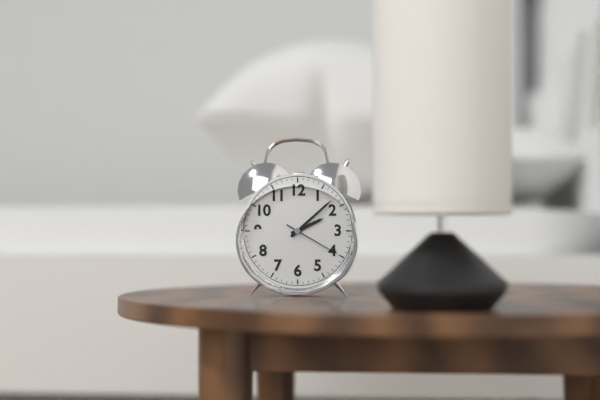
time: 2:08:20
